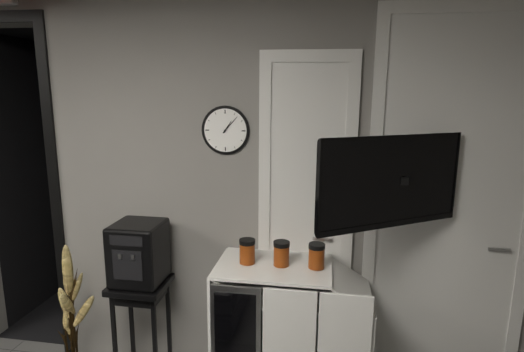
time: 1:07
